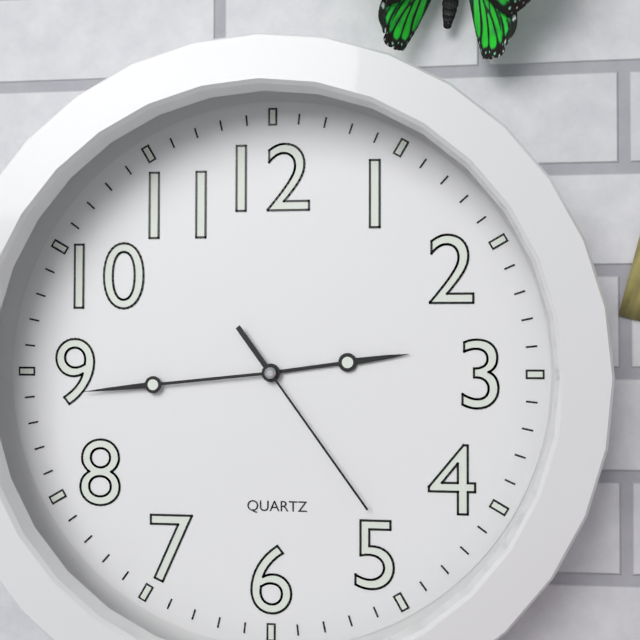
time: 2:44:24
